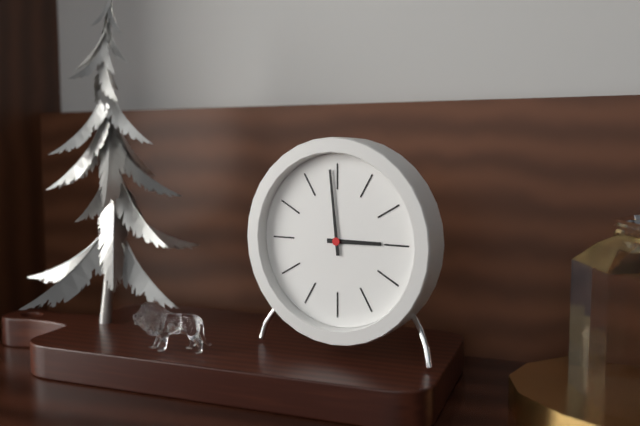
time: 2:59
